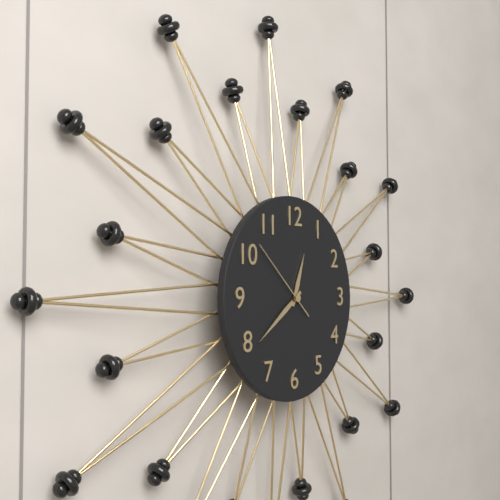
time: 12:39:52
